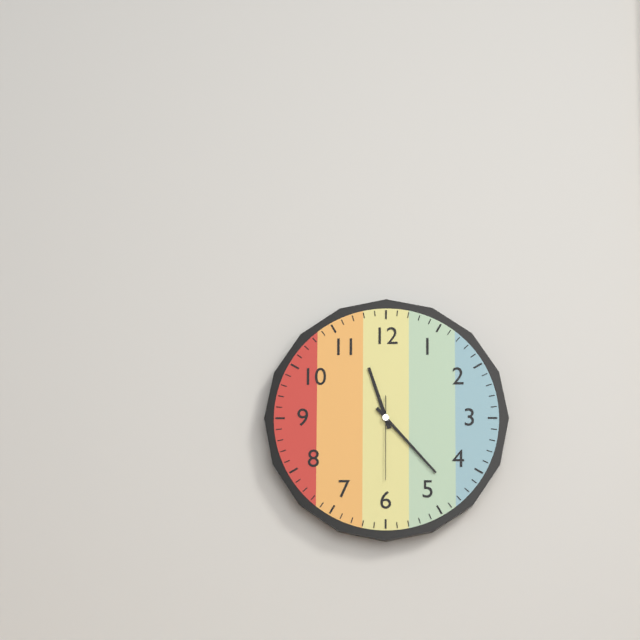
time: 11:23:30
